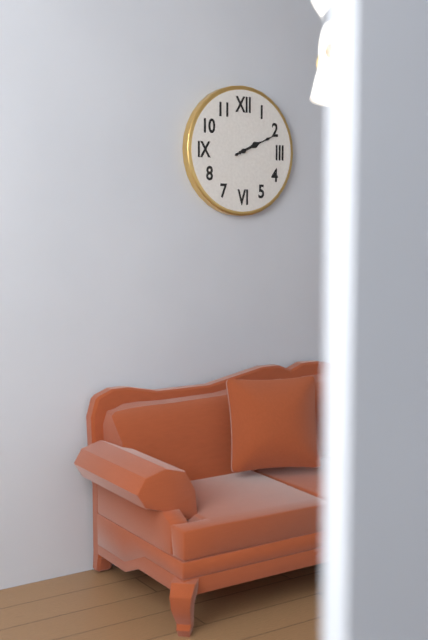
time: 2:11
